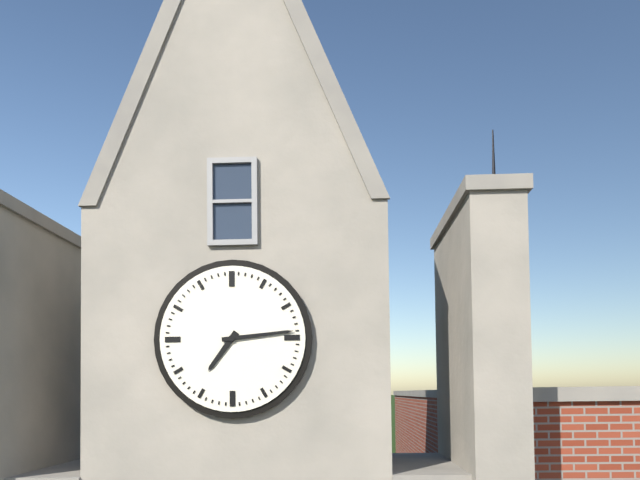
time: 7:14
